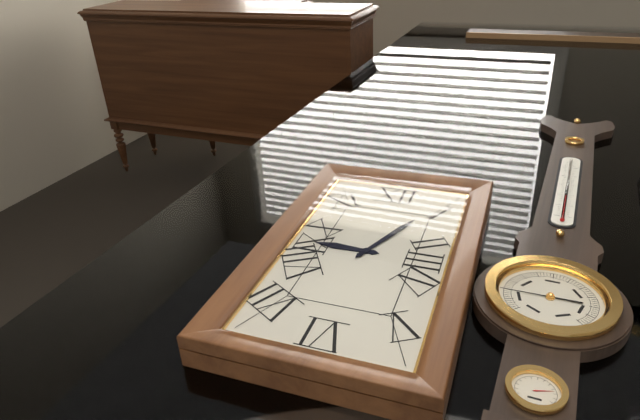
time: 9:04
